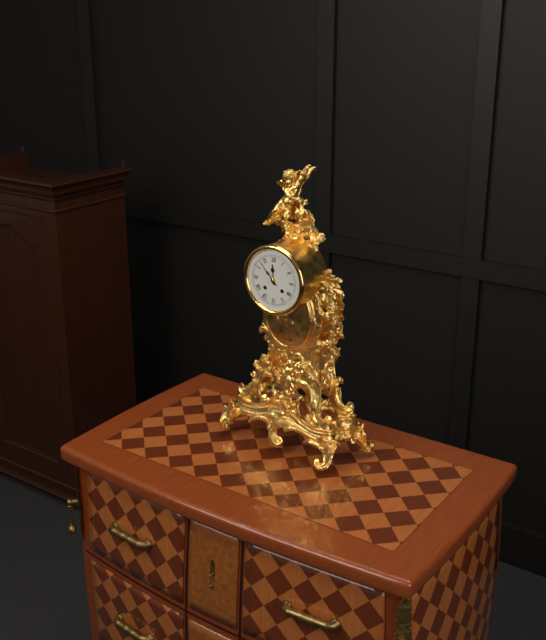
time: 11:53
